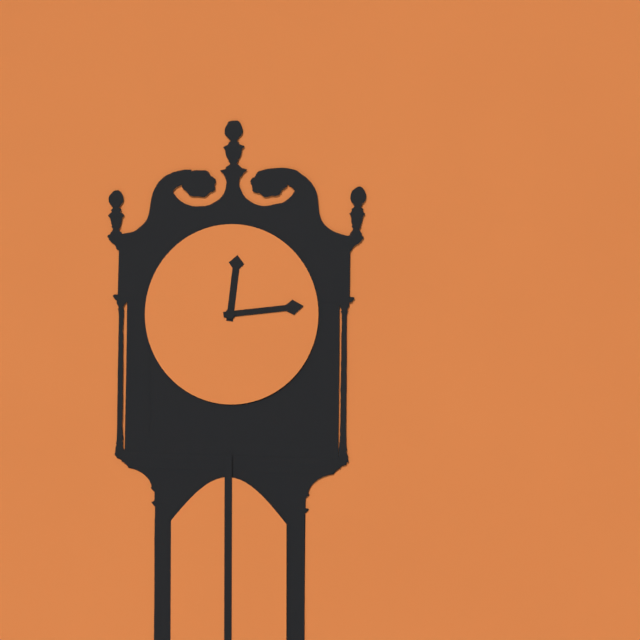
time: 12:14
